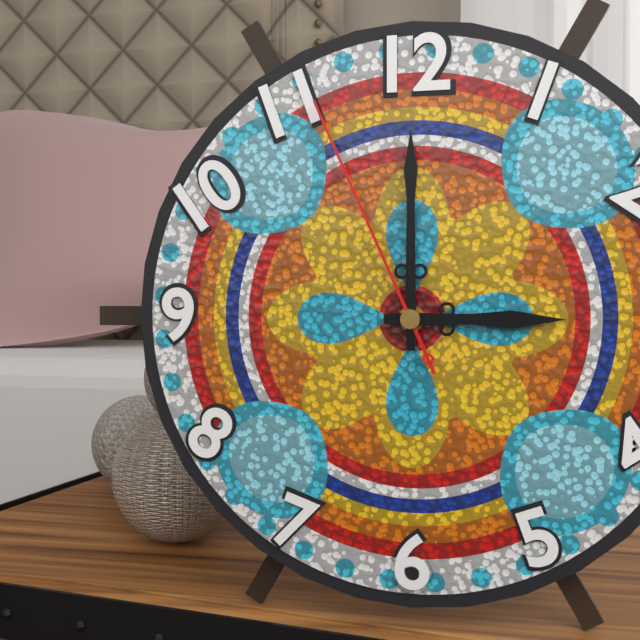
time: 3:00:56
